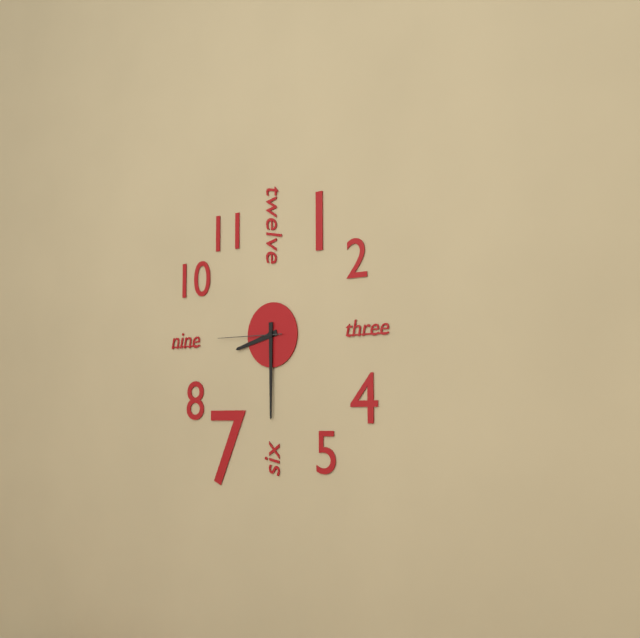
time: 8:30:45
